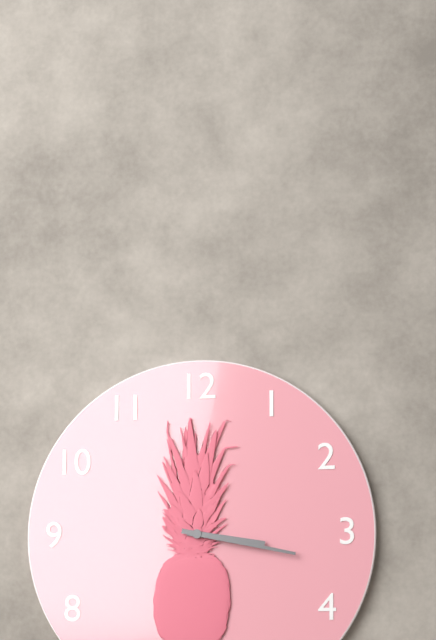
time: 3:17
